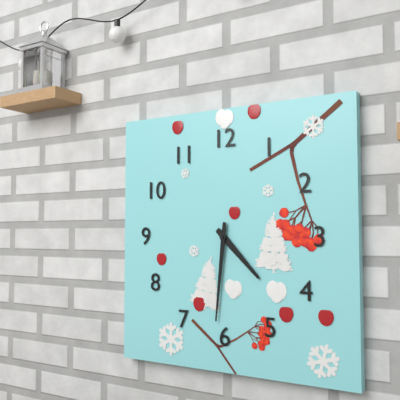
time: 4:31
